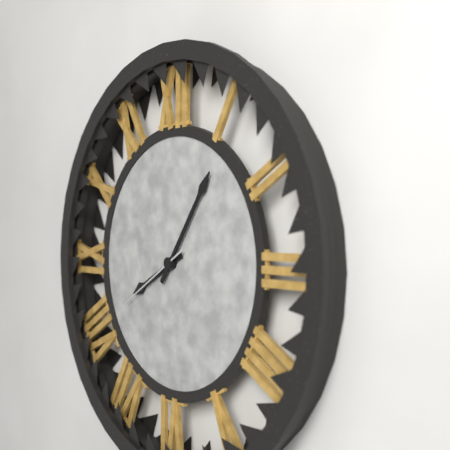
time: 8:06:40
